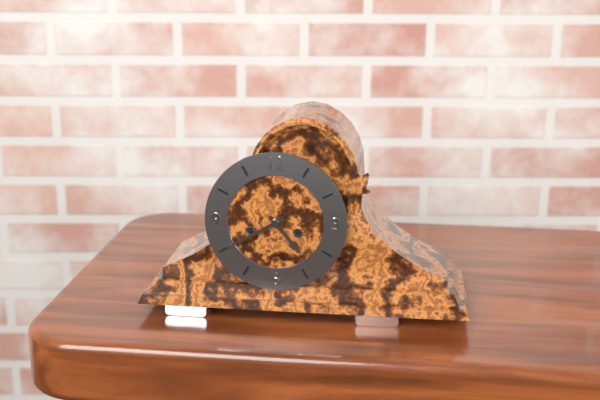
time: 4:40
